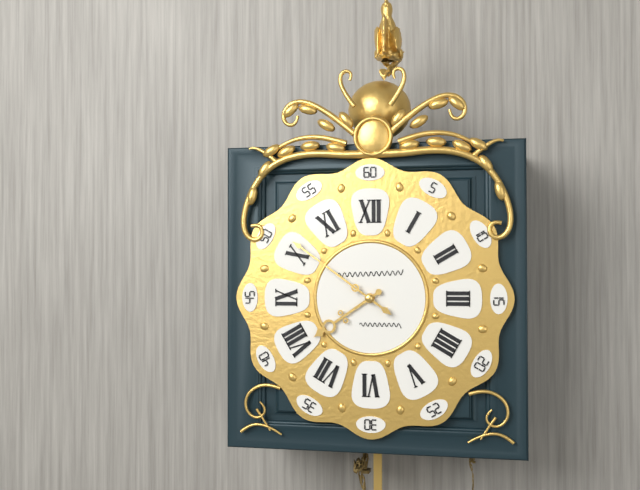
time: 7:51
